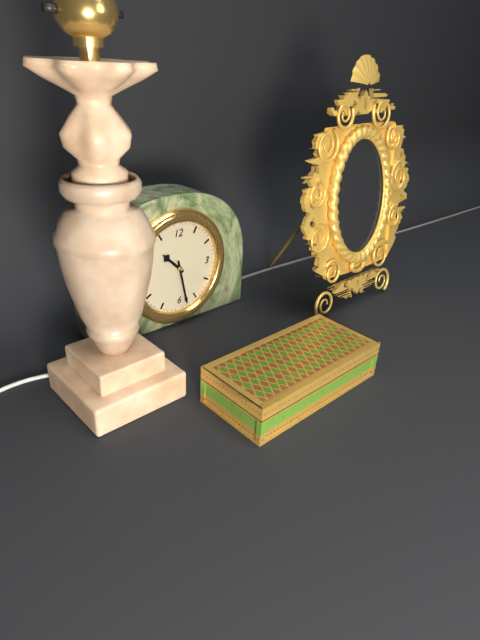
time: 10:28
